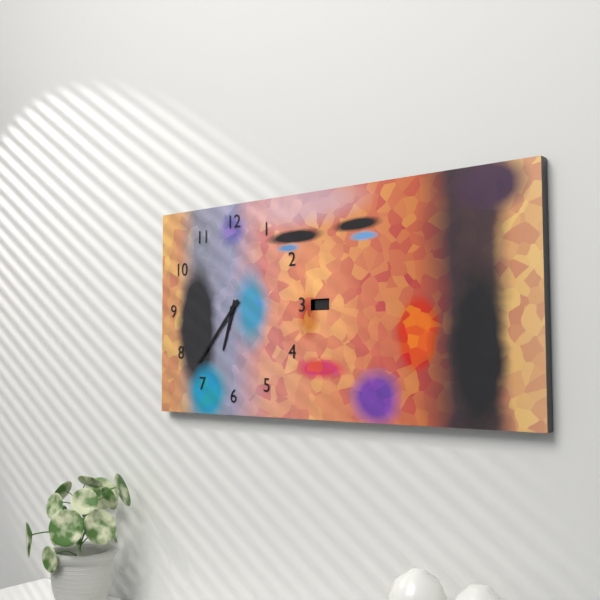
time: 6:37
